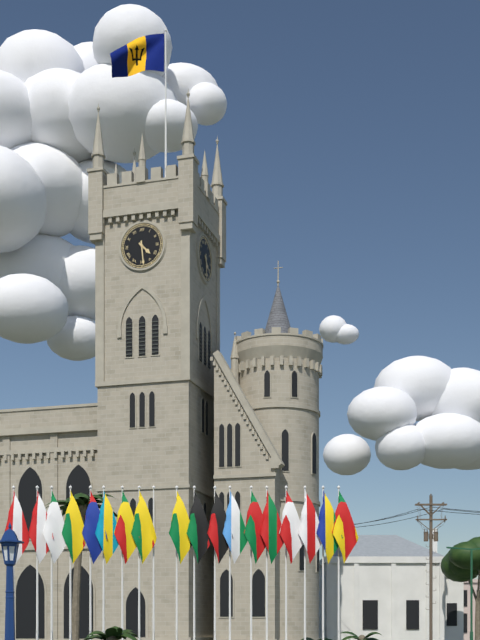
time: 4:29
